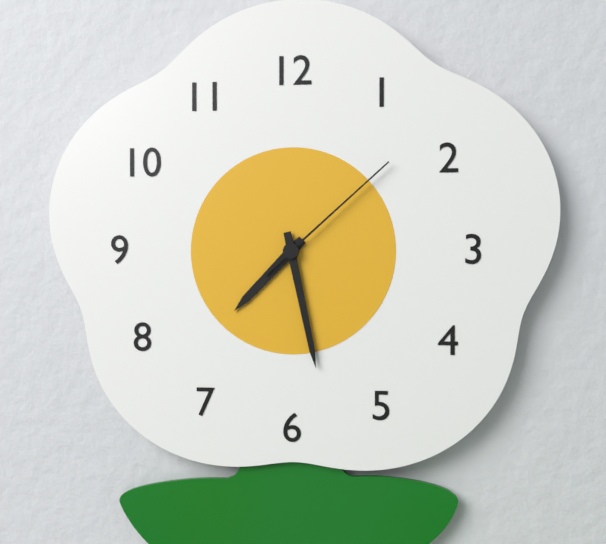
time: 7:28:08
